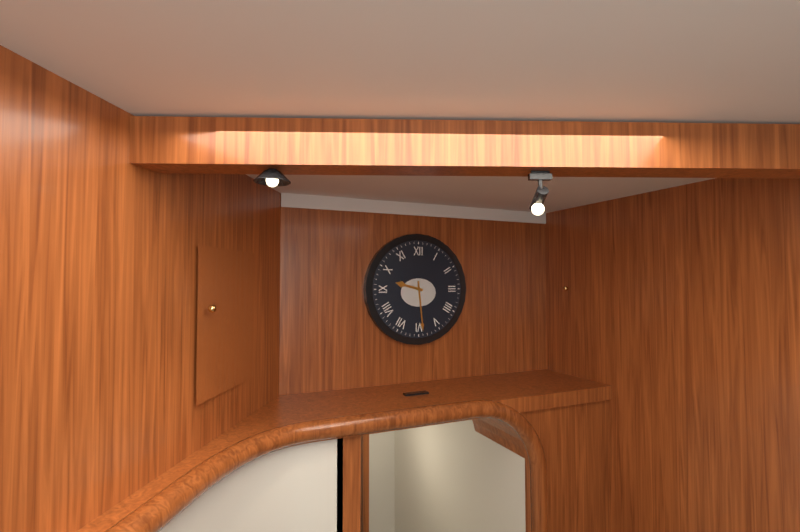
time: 9:29
